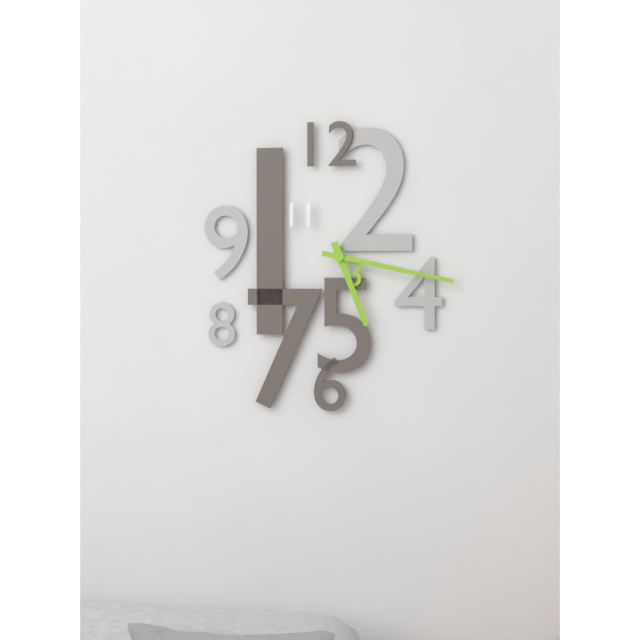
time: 5:17
